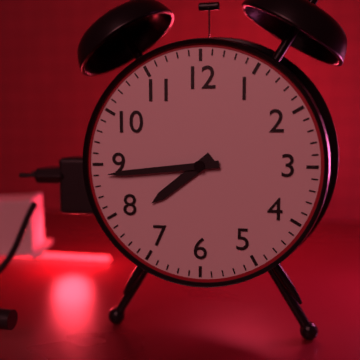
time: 7:44
